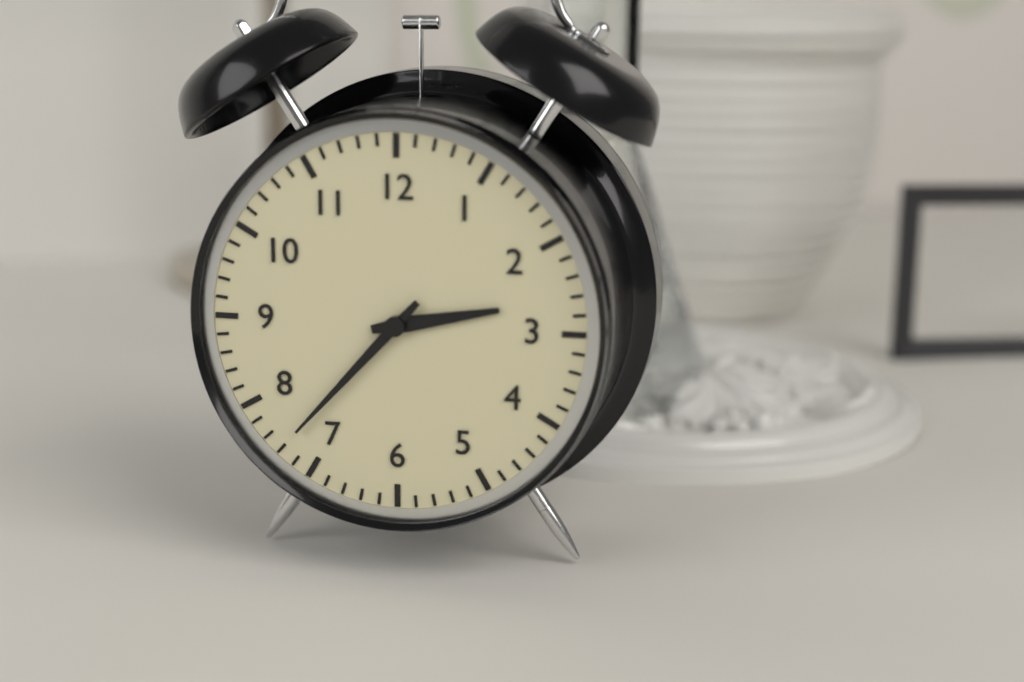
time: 2:37
